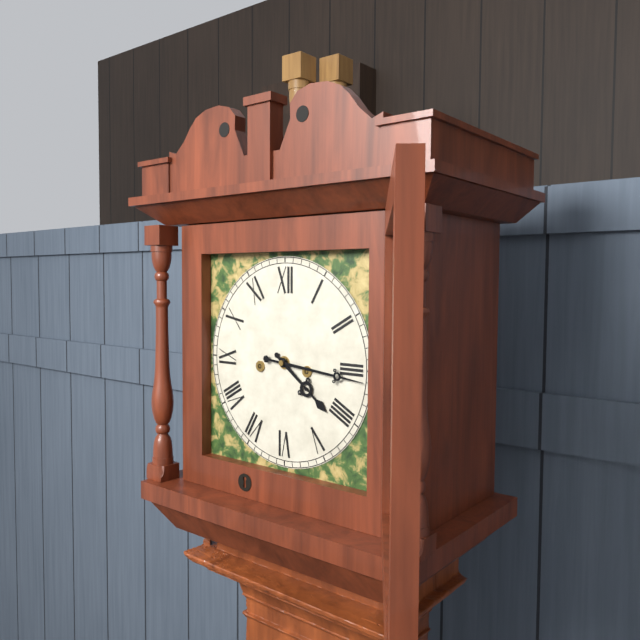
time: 4:16
